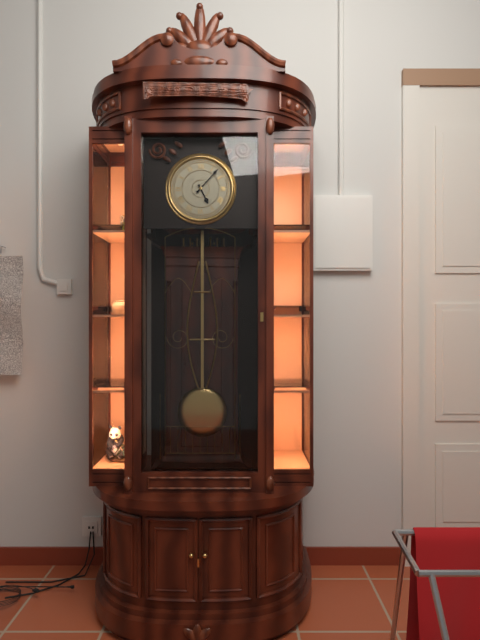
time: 5:07
